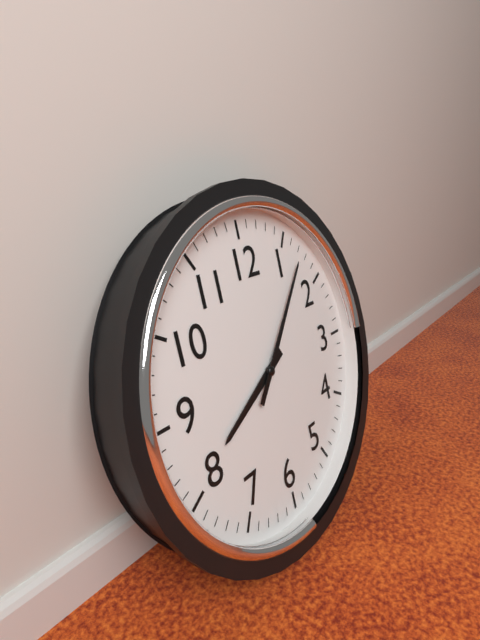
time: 8:07
